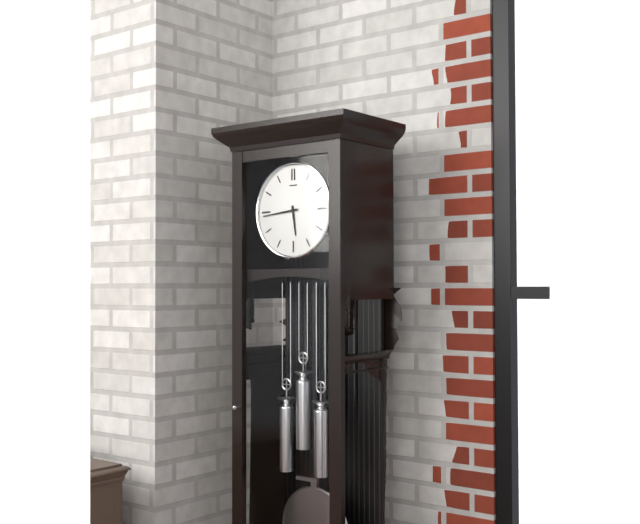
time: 5:44
